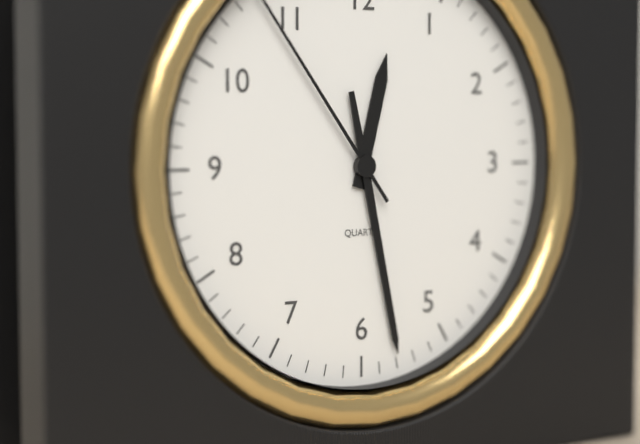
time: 12:28
